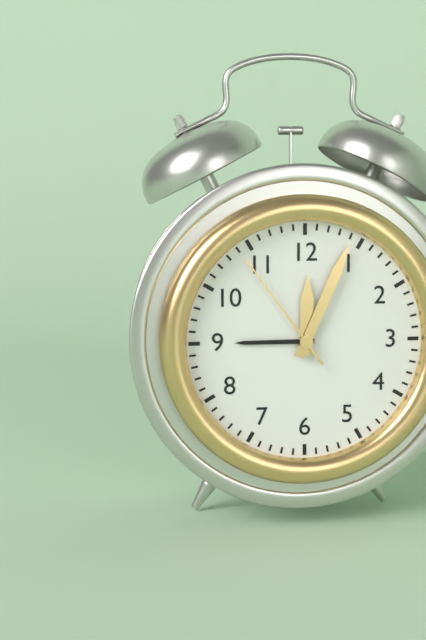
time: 12:04:54
